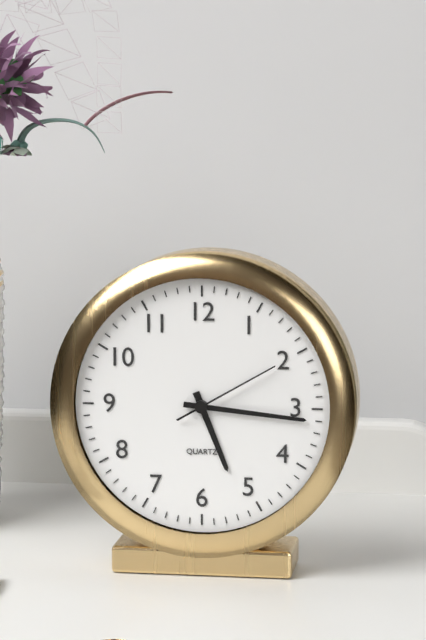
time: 5:16:10
